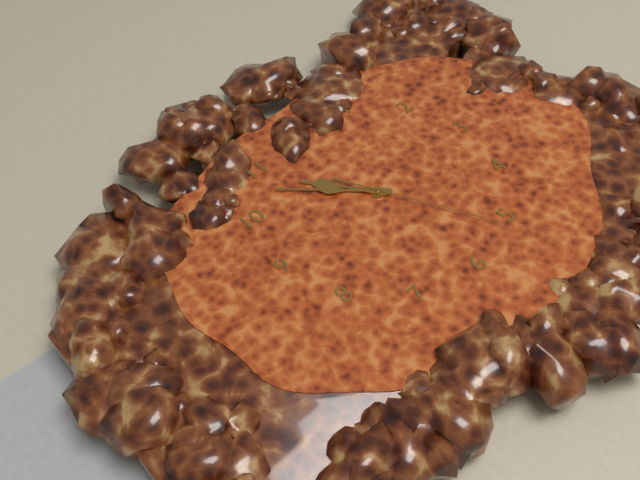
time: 10:53:26
